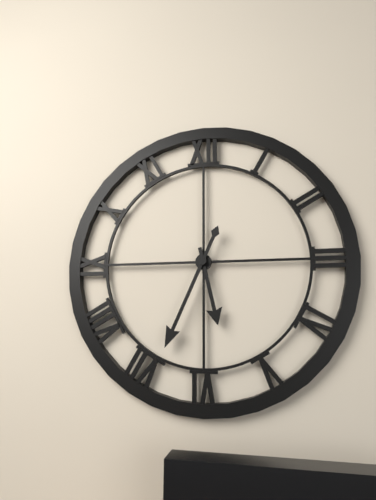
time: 5:34
